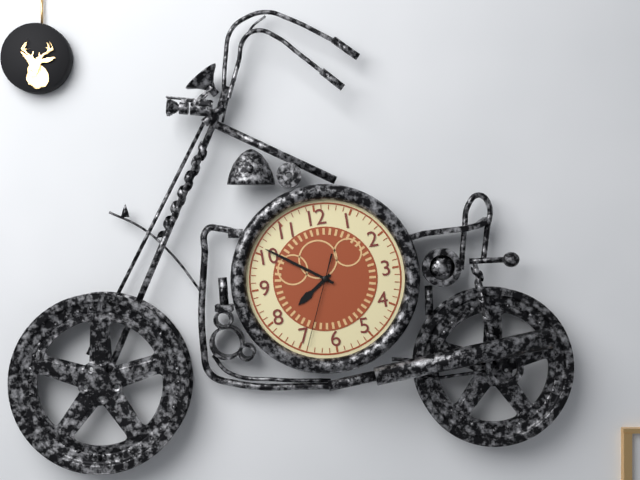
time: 7:51:34
